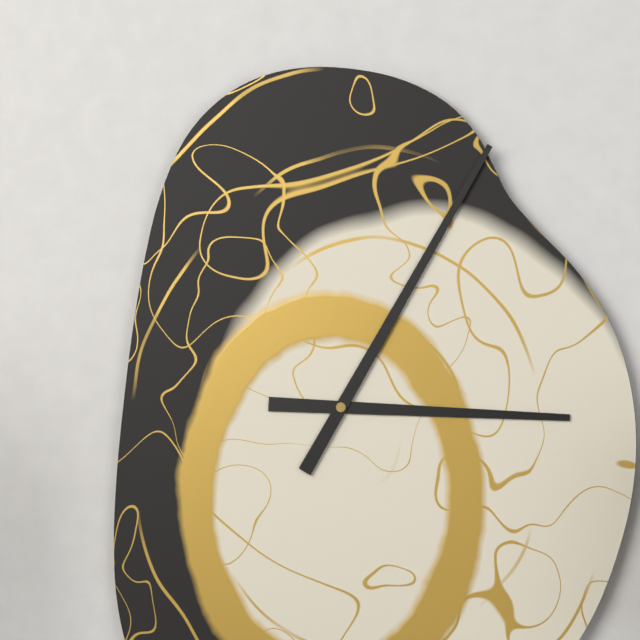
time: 3:05
